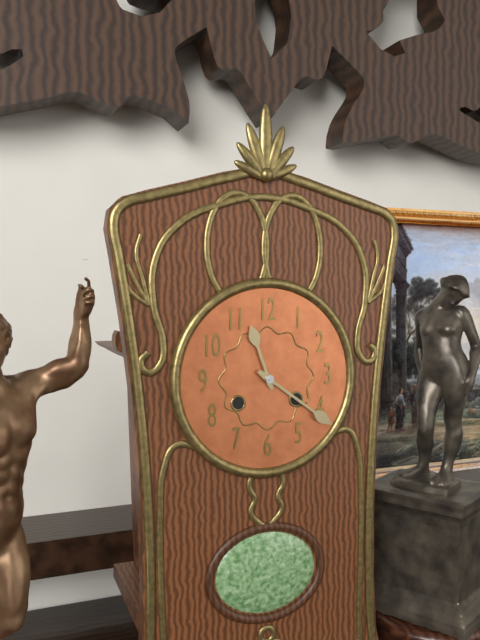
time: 11:21
